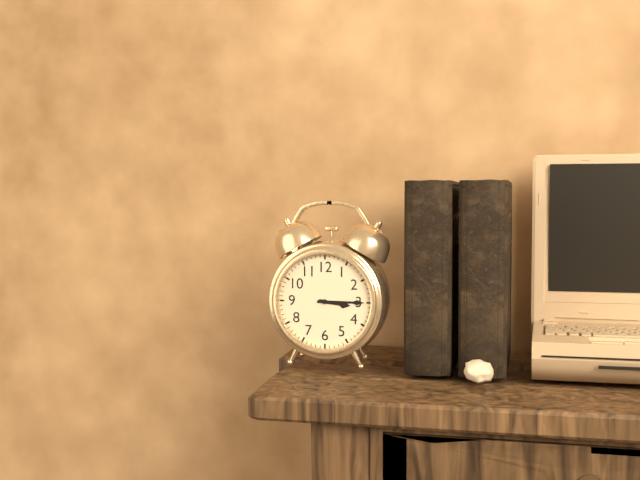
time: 3:15
